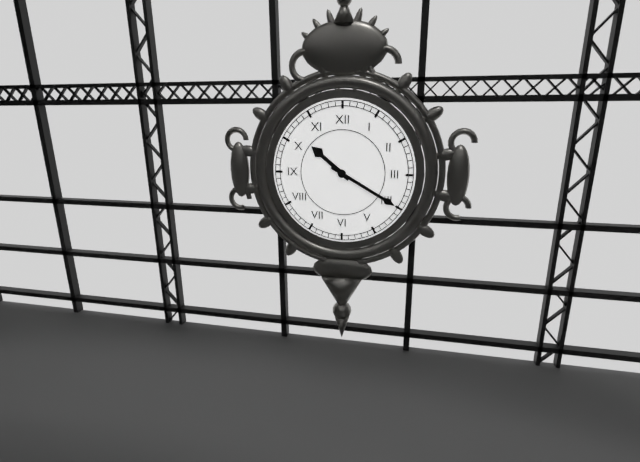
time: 10:20
